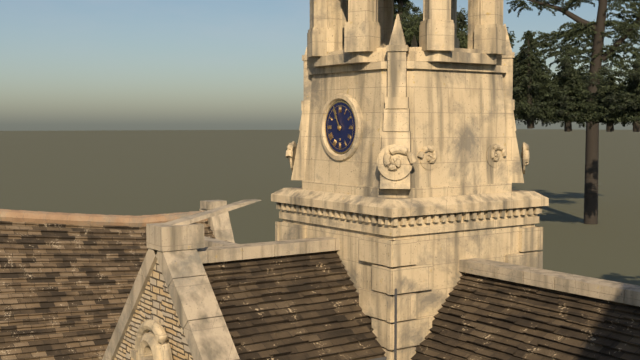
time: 10:56
